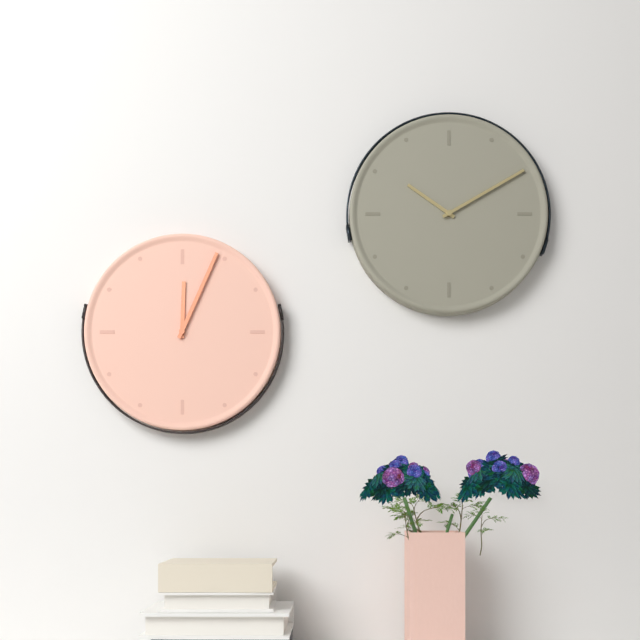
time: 12:04
